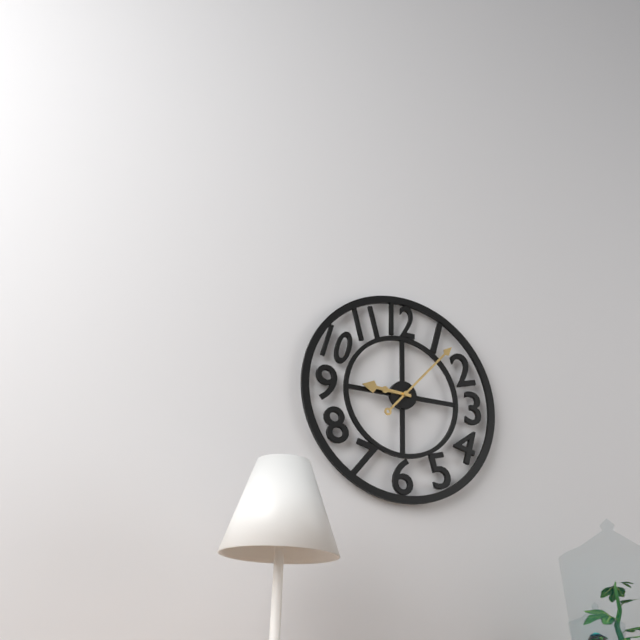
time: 9:07
